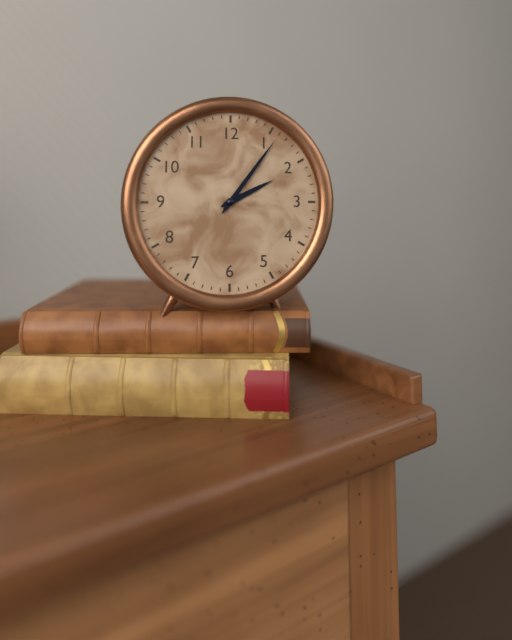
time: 2:06
